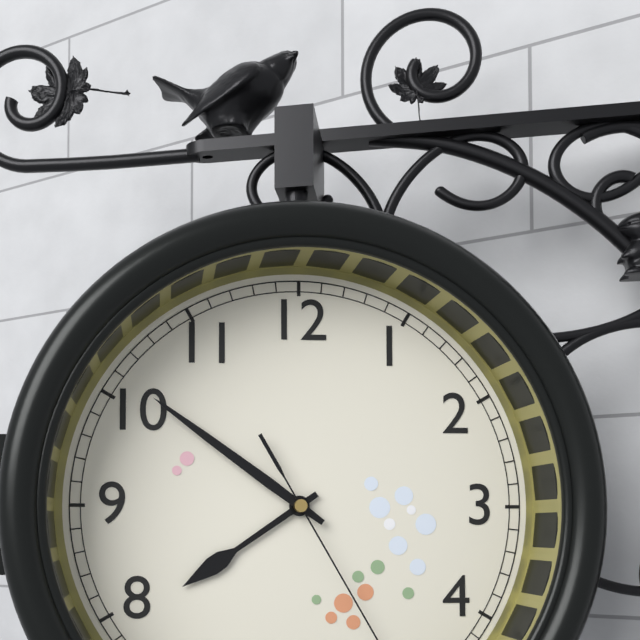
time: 7:51
